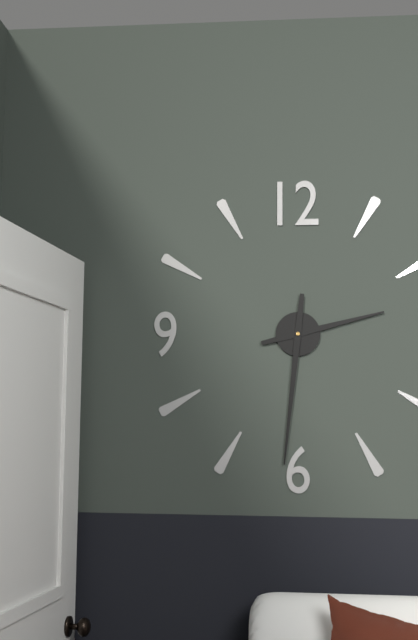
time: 2:31
